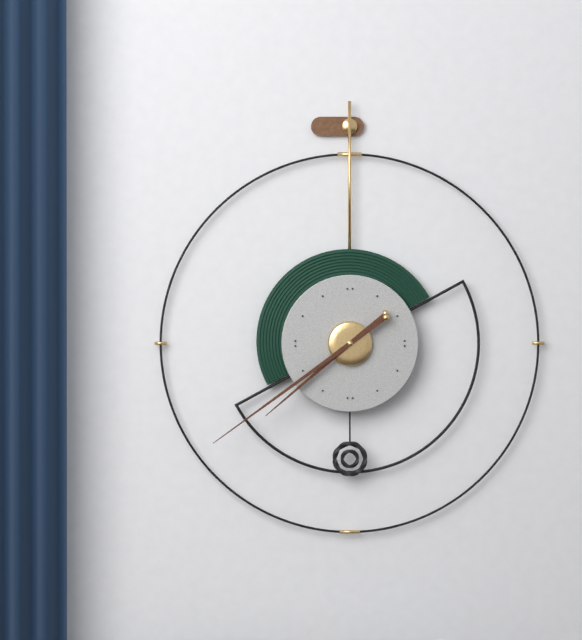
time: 7:39
